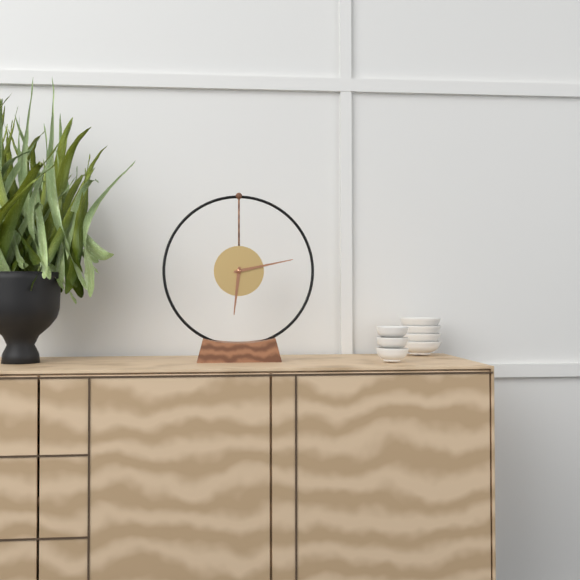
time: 6:13
